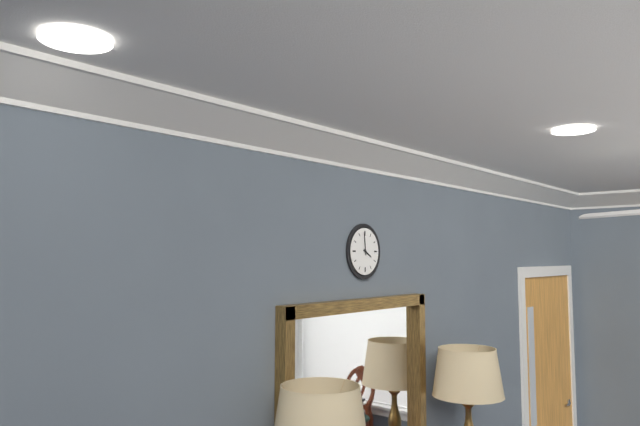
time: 3:59
